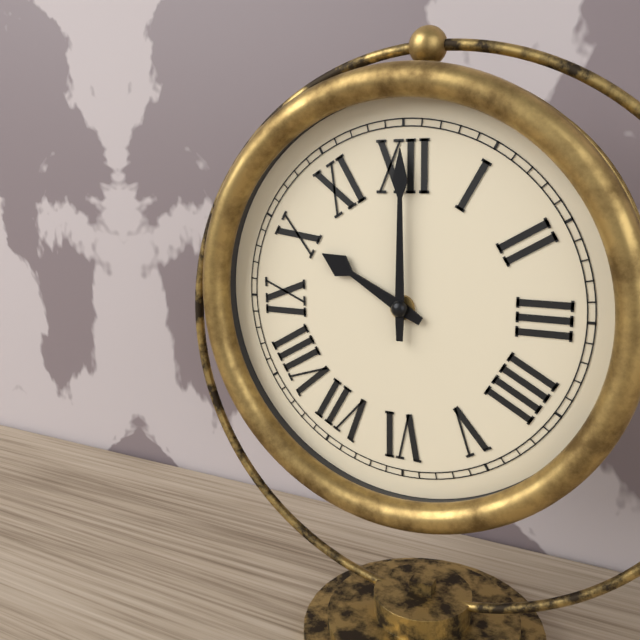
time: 10:00
